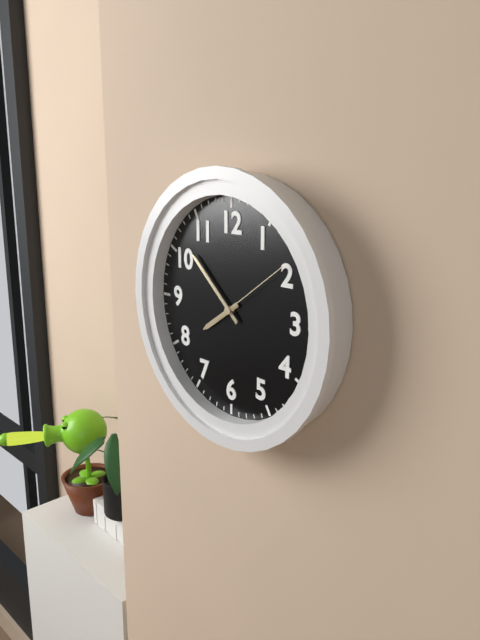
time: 7:52:09
